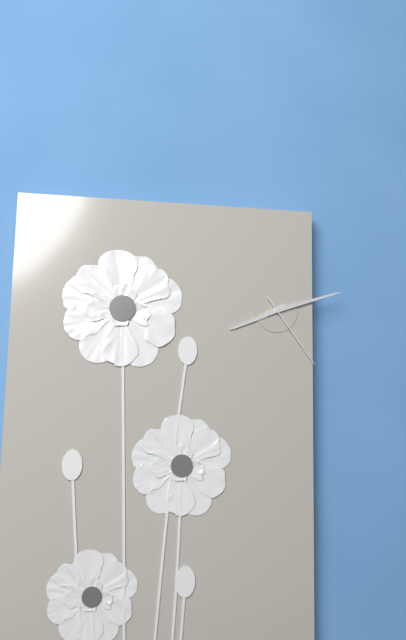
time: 8:12:24
